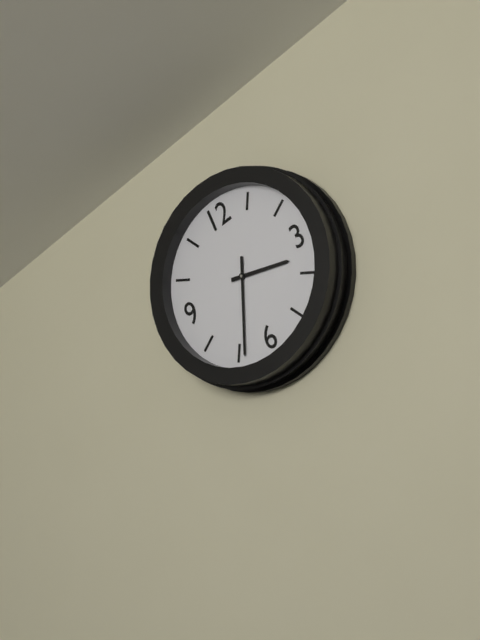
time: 3:34
